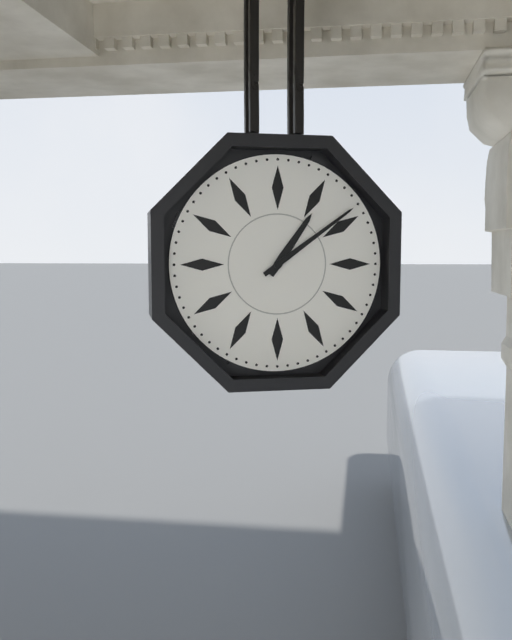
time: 1:09
